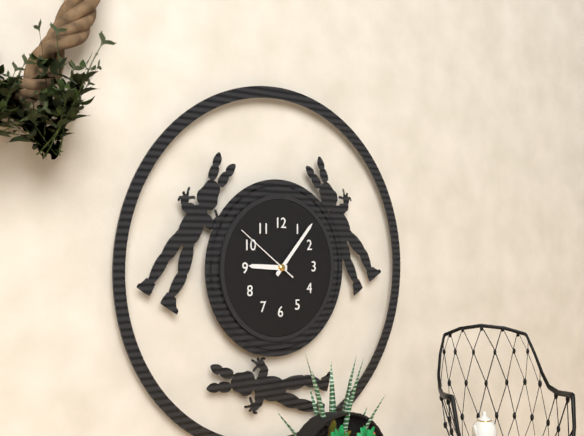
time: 9:07:51
